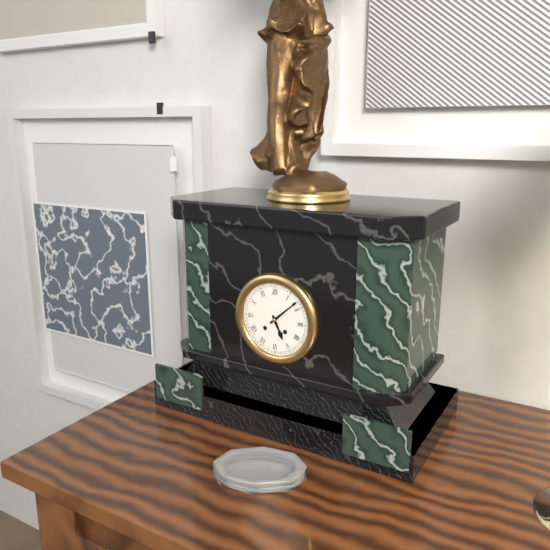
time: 5:08
